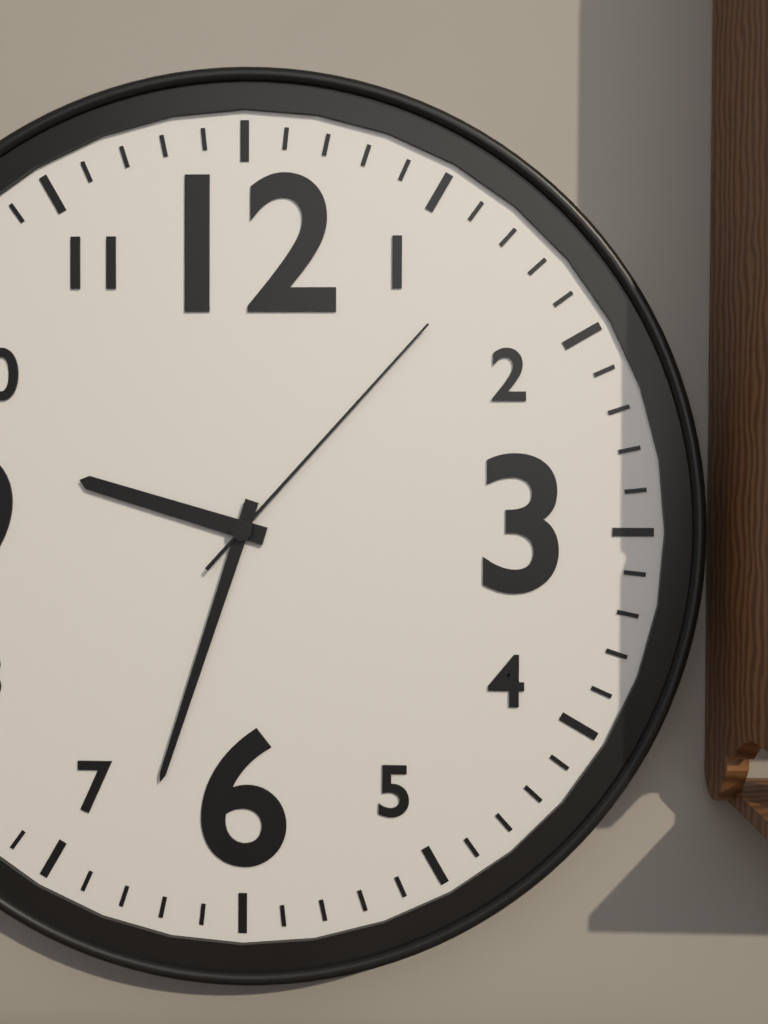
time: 9:33:07
